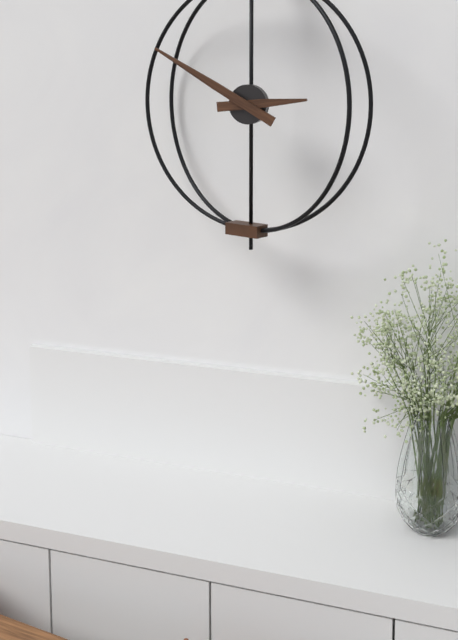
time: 2:50
